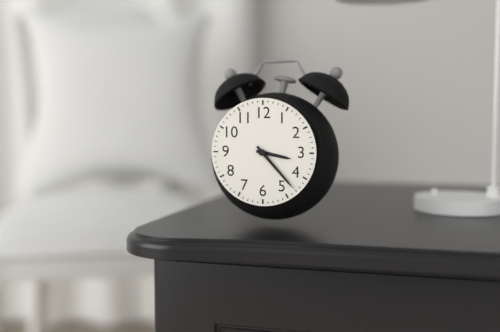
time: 3:23
